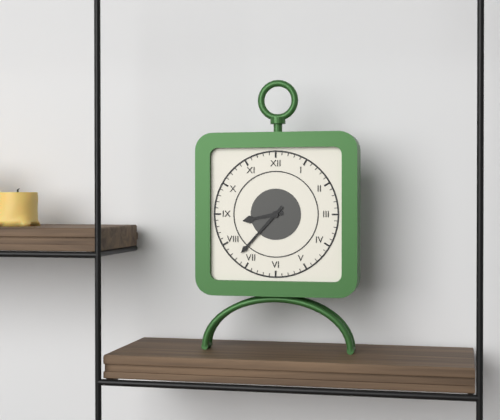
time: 8:37
